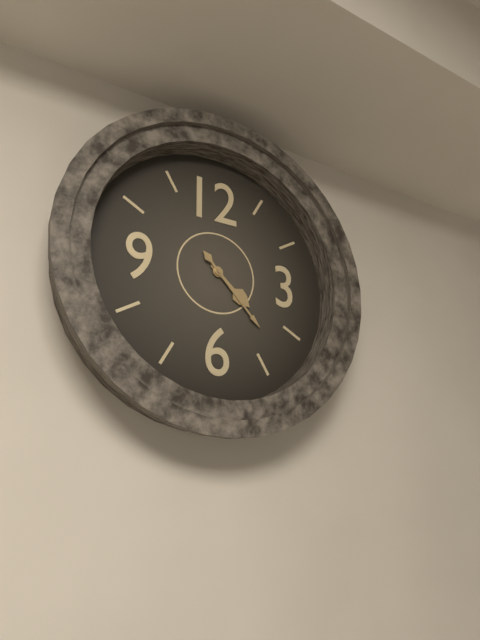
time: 4:23
